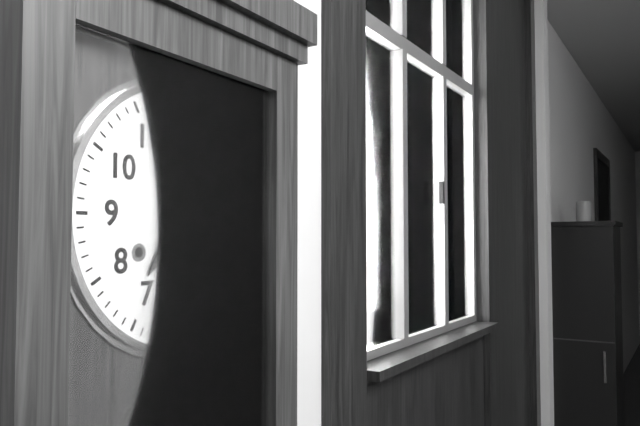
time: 7:16
